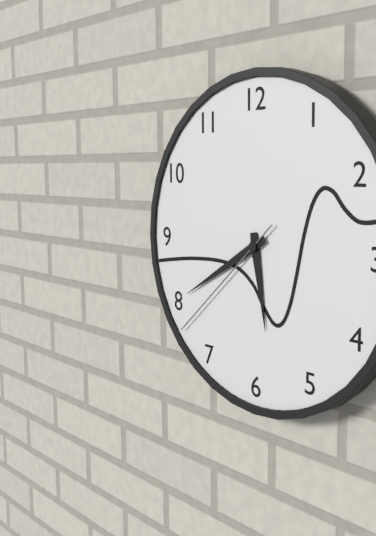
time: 5:40:38
